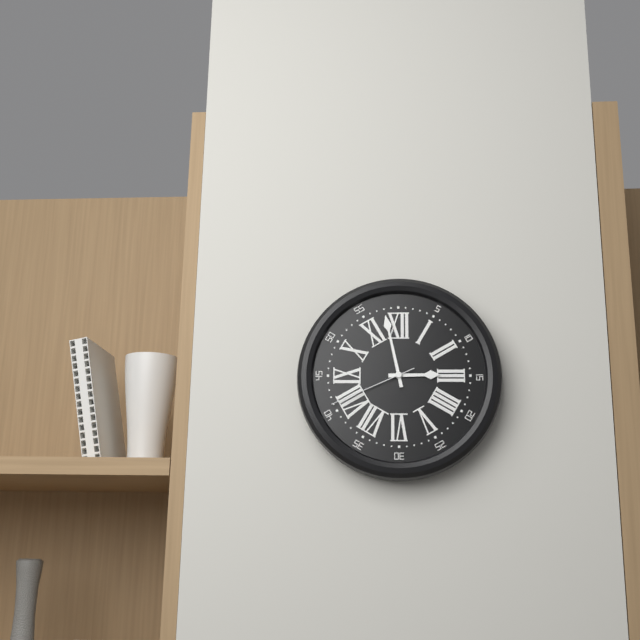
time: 2:58:41
